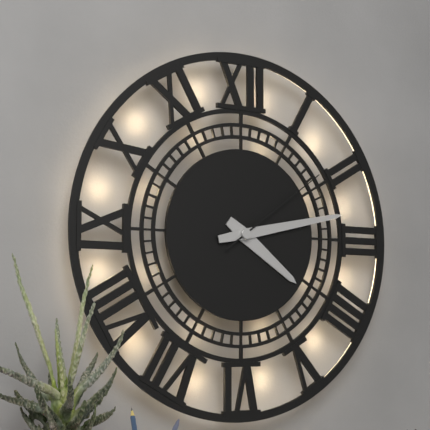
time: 4:13:09
